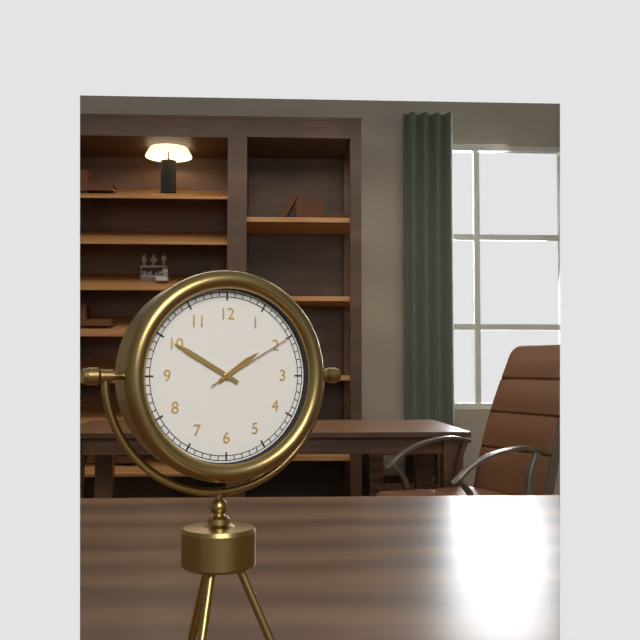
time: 1:50:10
